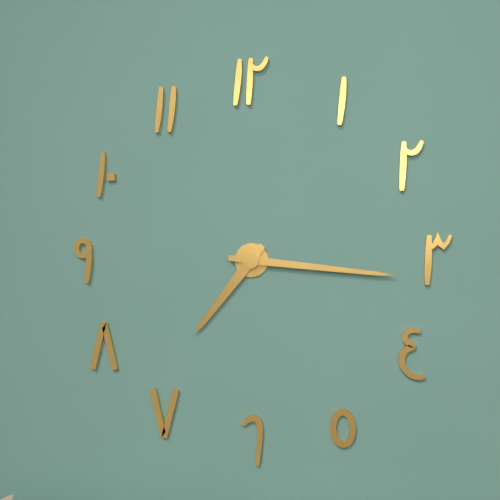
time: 7:16
